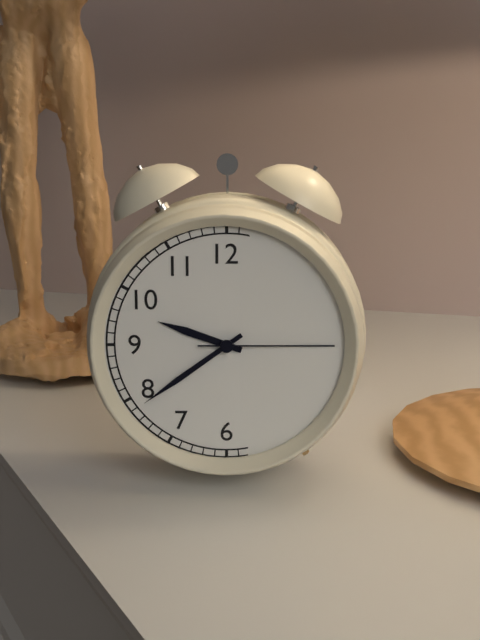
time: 9:39:15
